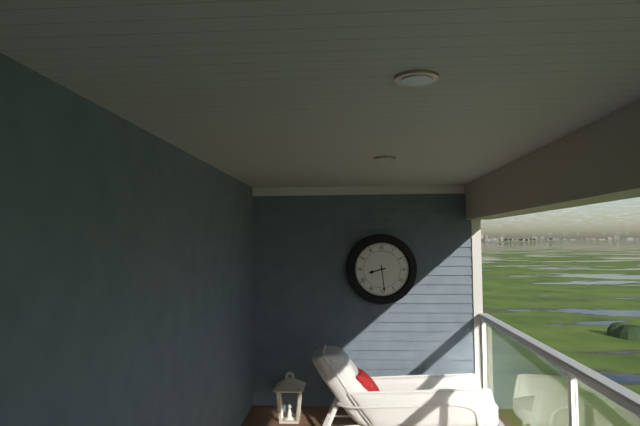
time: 8:29
